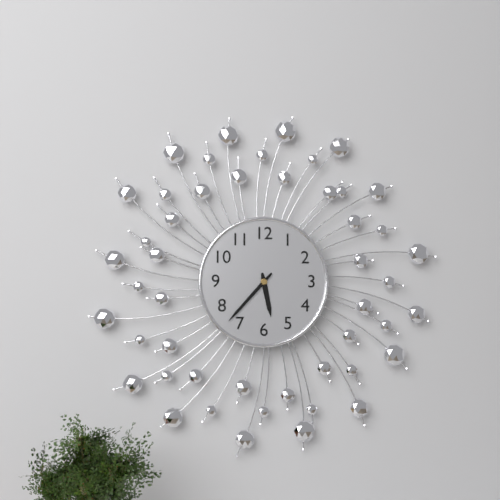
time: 5:37
